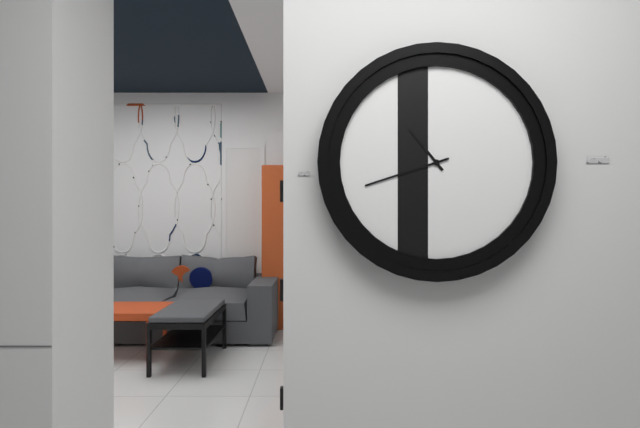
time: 10:42
